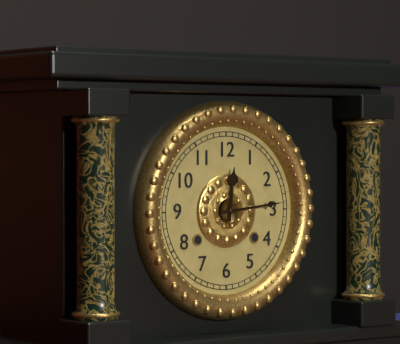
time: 12:14
